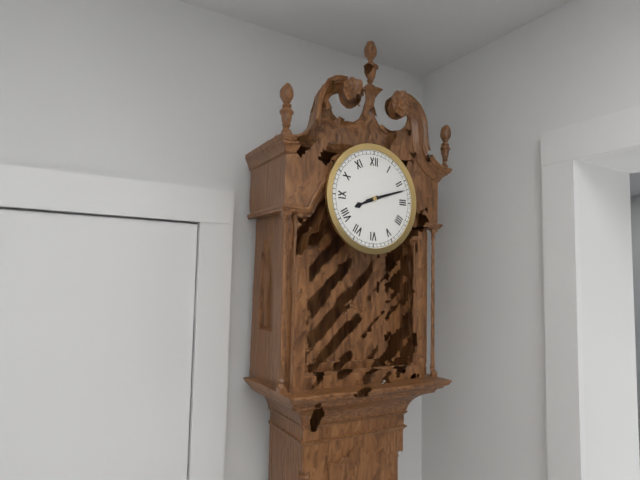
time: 8:12
